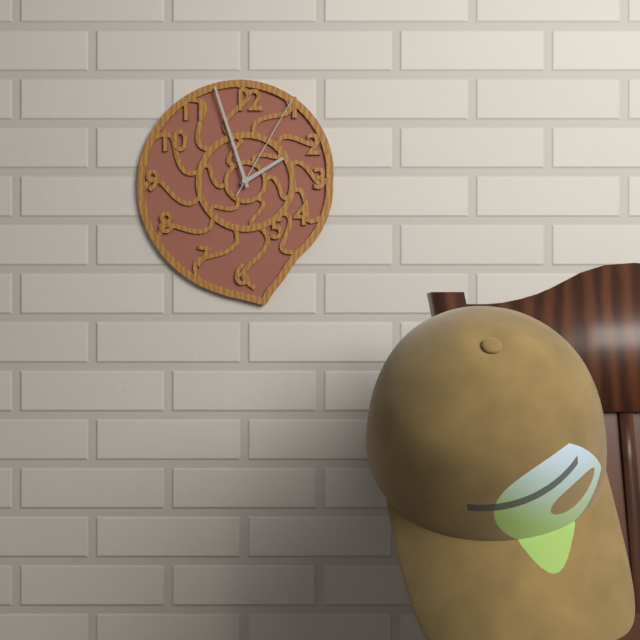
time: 1:57:05
